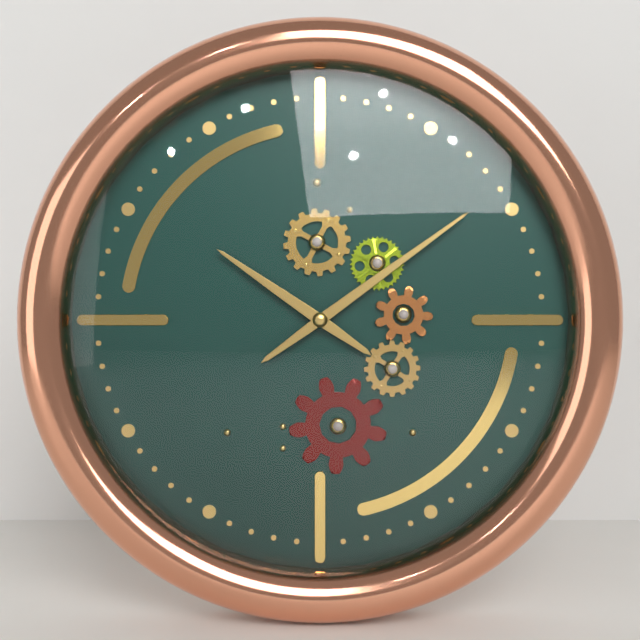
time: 10:09
